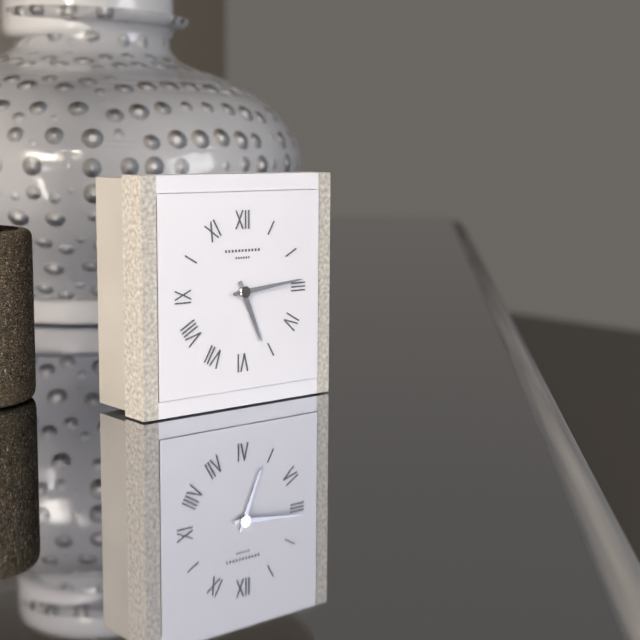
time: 5:14
